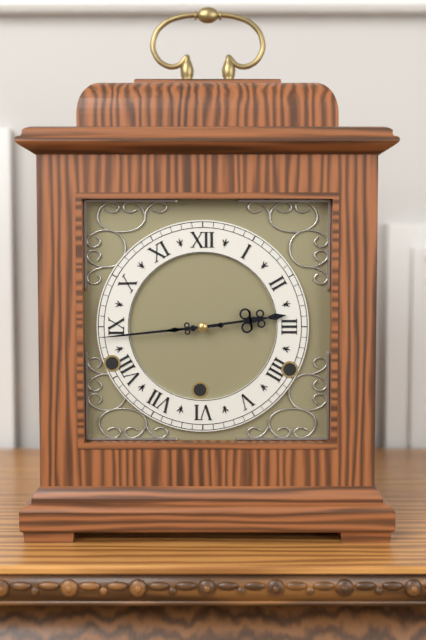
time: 2:44
